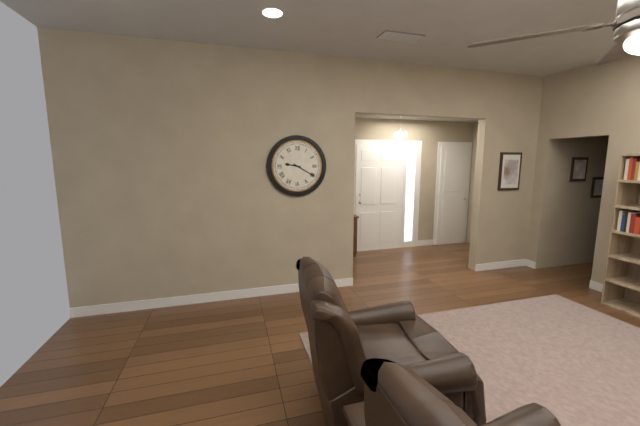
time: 9:20
